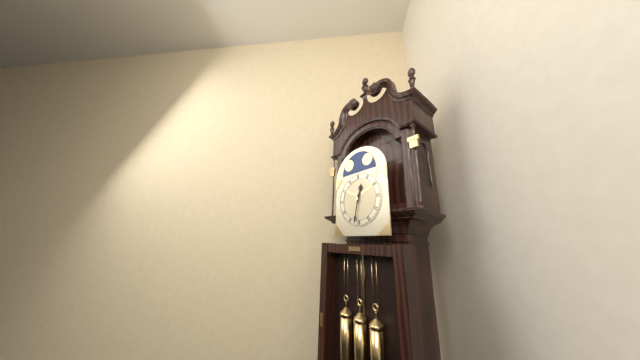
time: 12:32
